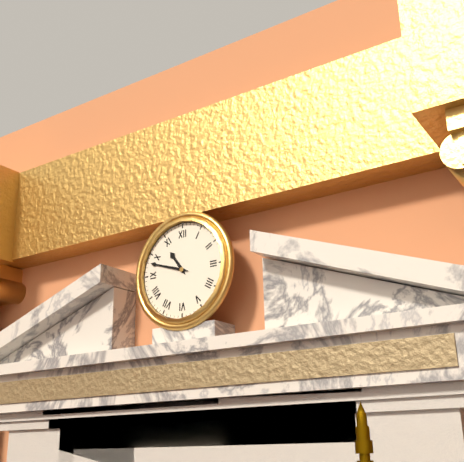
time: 10:48
